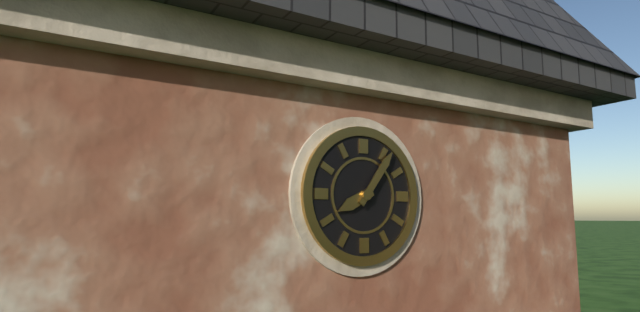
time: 8:06
